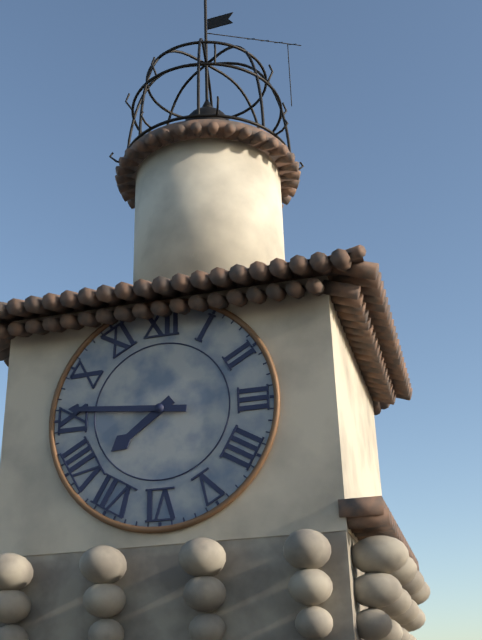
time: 7:46
